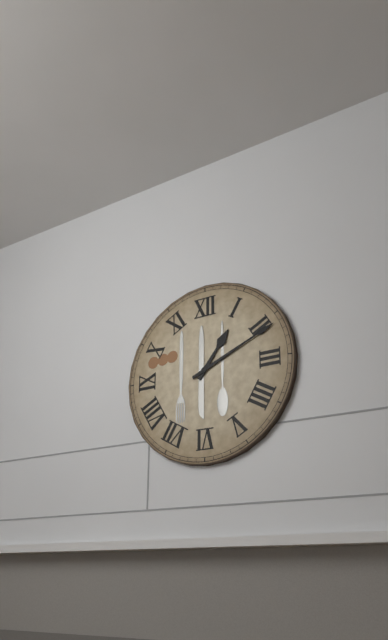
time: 1:11
